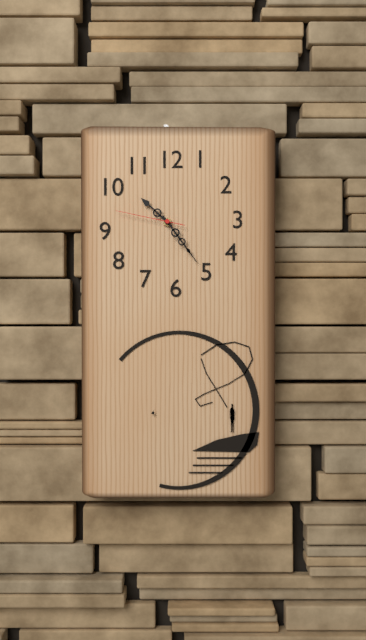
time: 10:24:47
